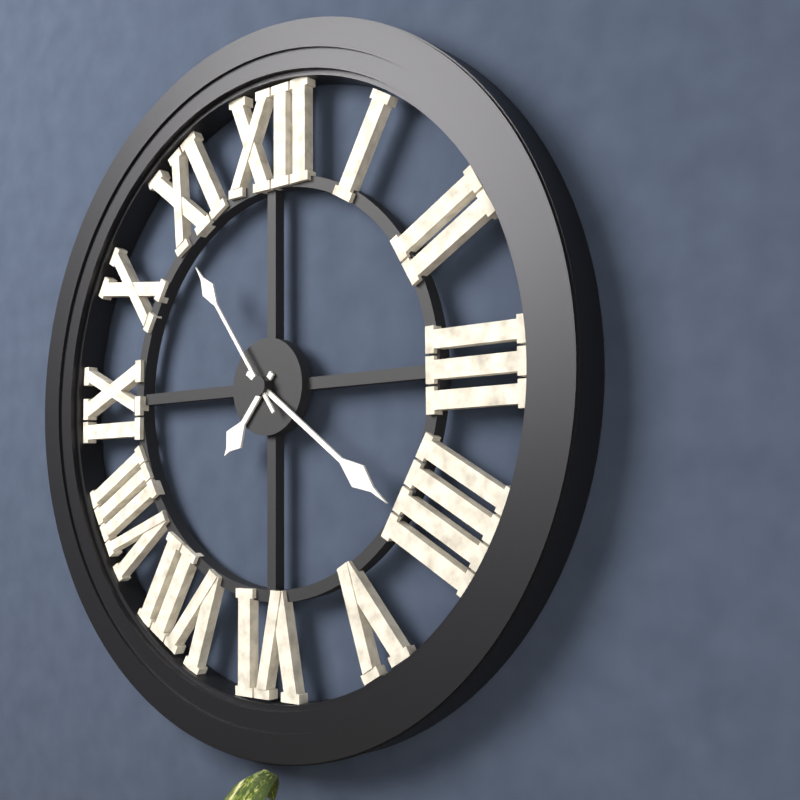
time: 7:21:54
